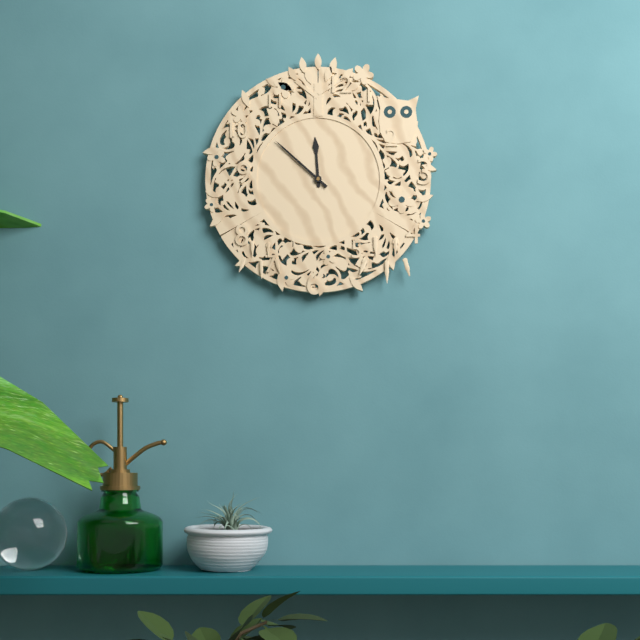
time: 11:52
